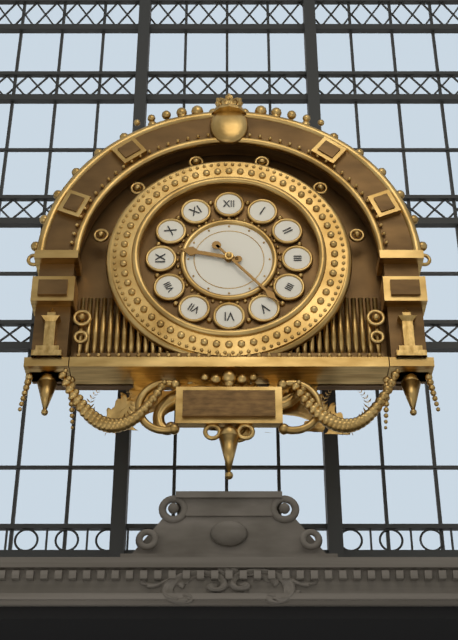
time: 9:23
